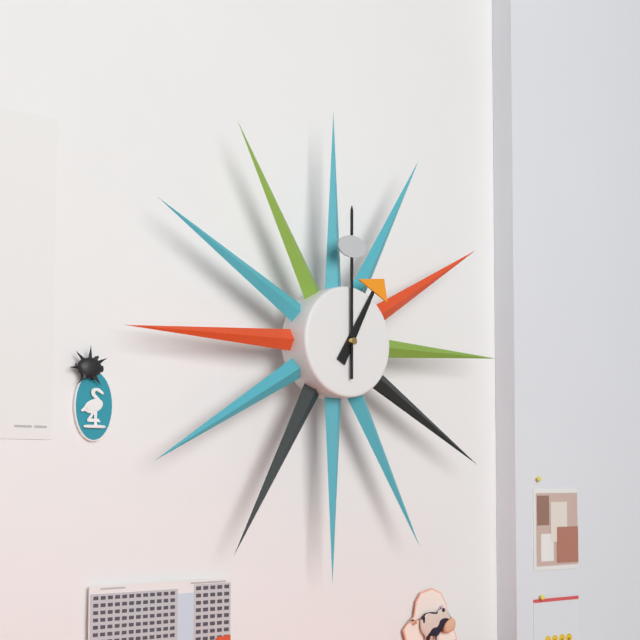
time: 1:00
